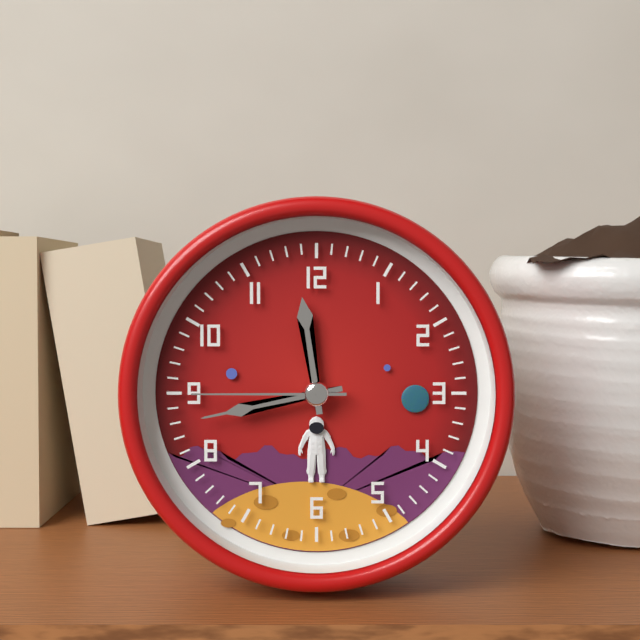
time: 11:43:45
